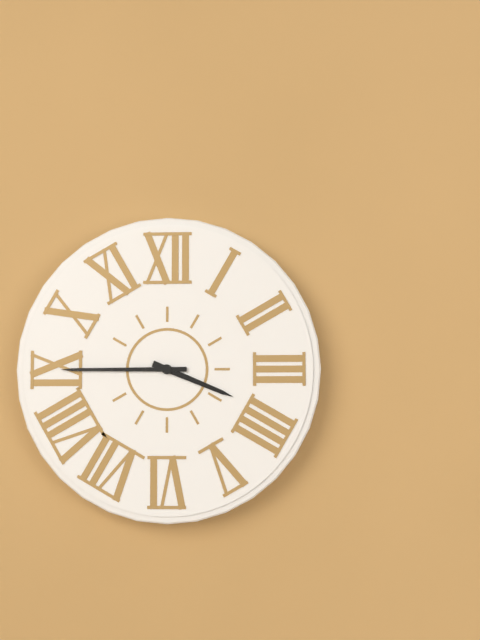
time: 3:45
